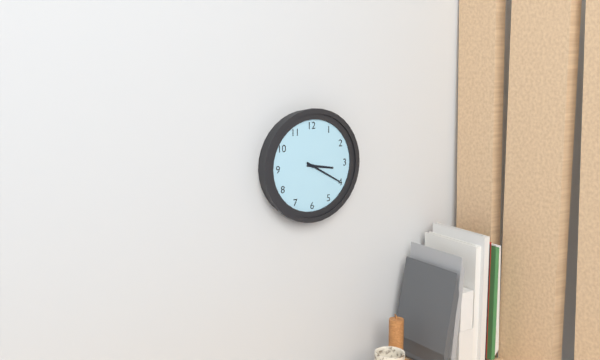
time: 3:20
